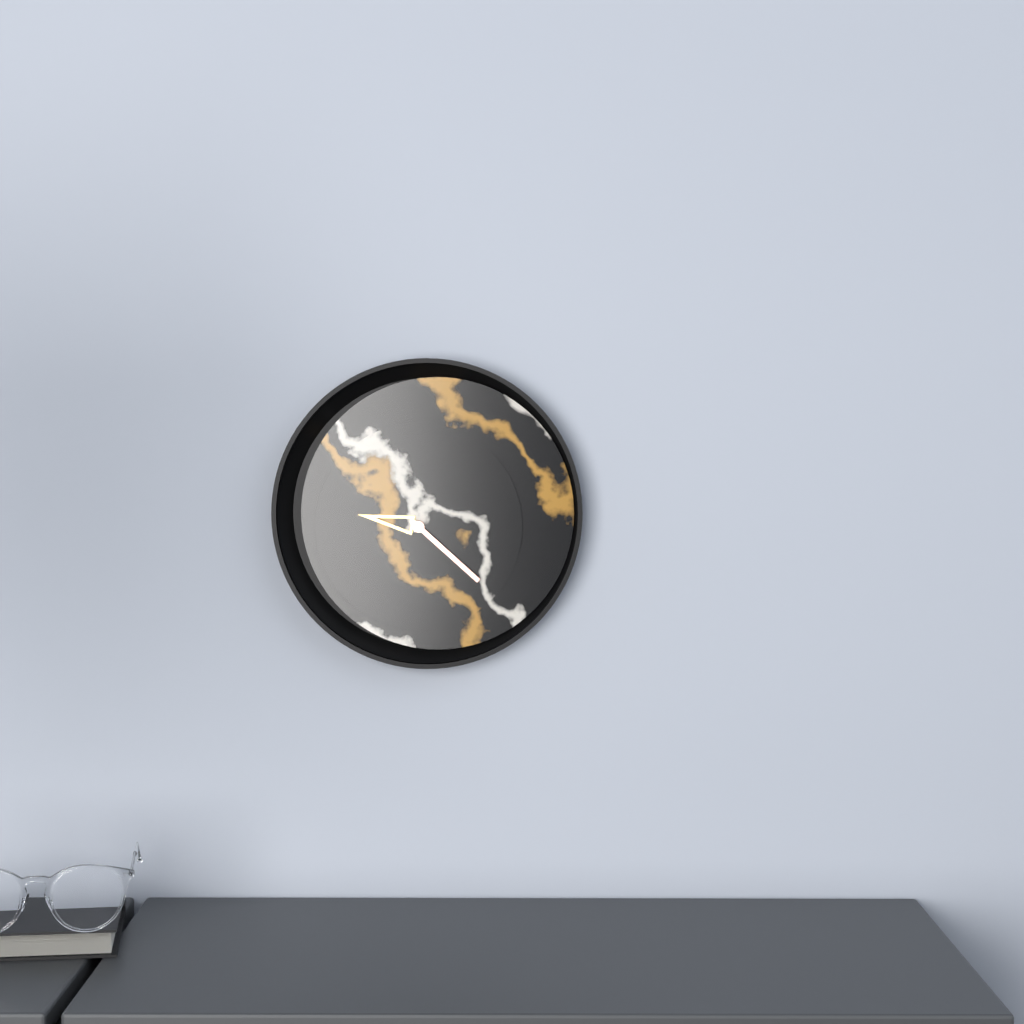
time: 9:22
